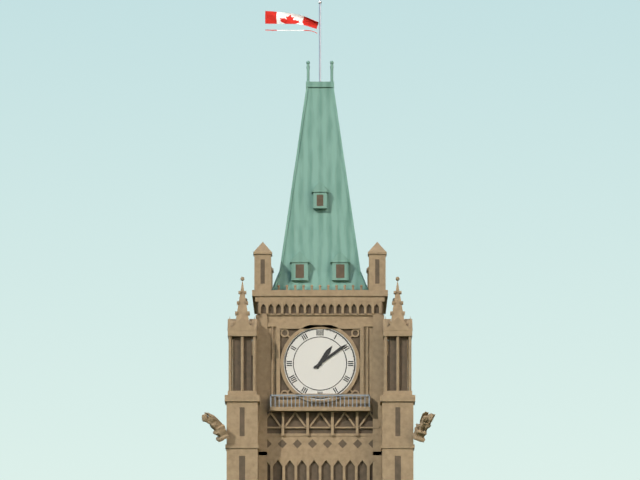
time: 1:09
